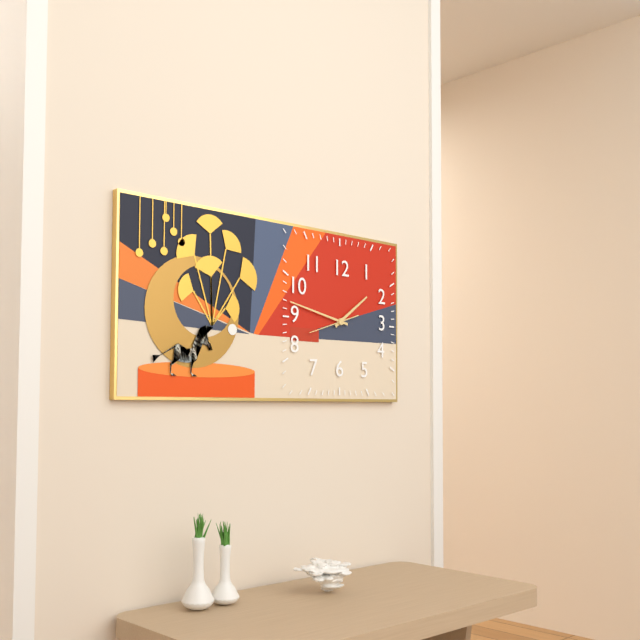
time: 1:47
